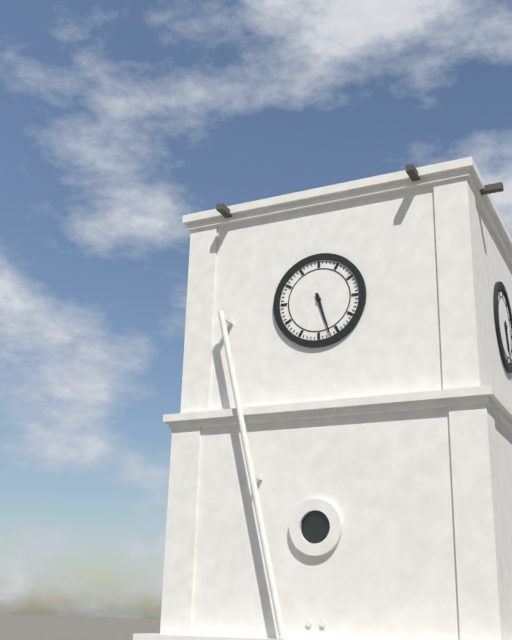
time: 5:27
